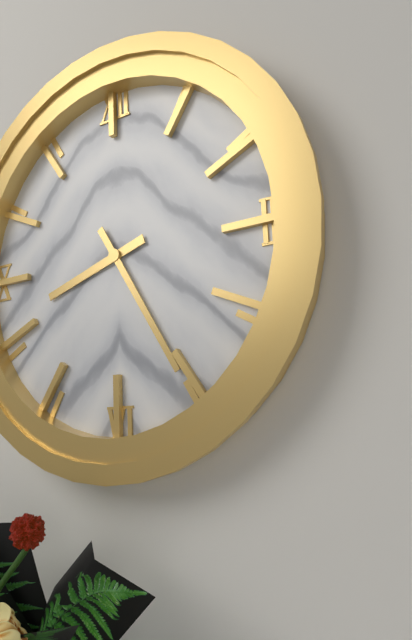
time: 8:25
